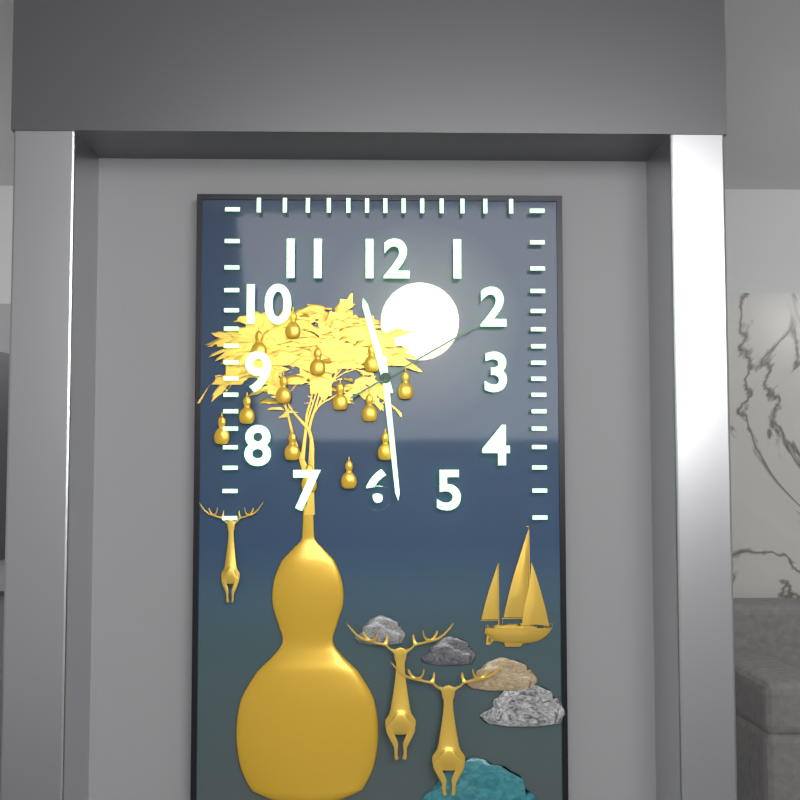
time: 11:29:10
